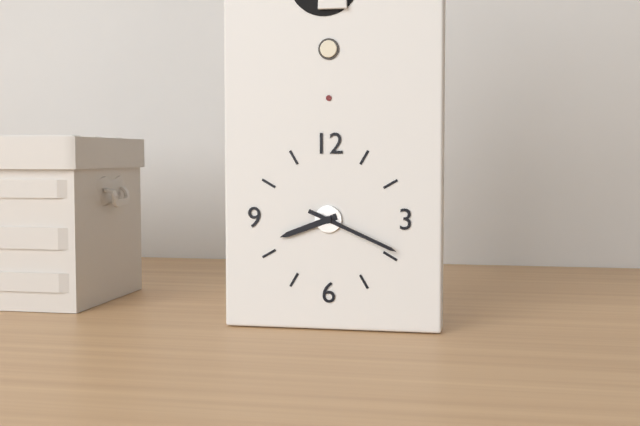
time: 8:19
